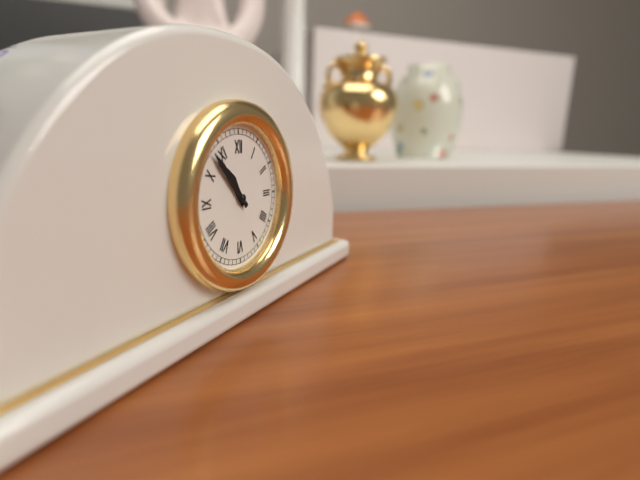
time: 10:53
